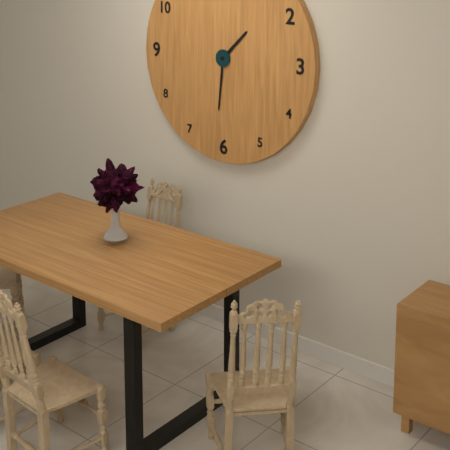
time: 1:31
